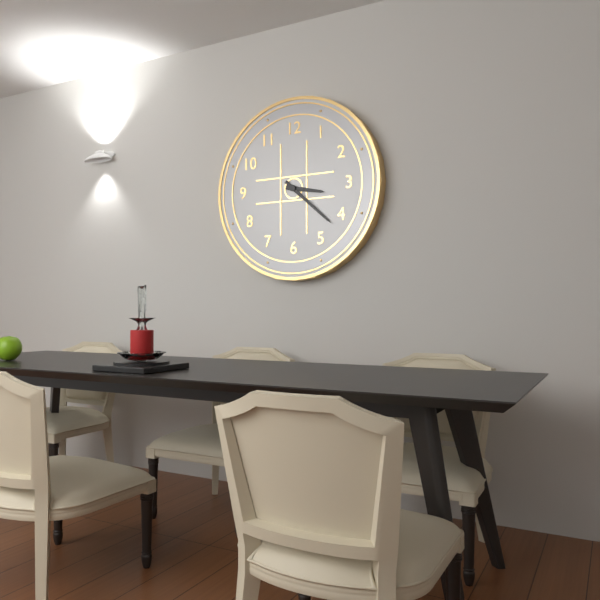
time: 3:22
